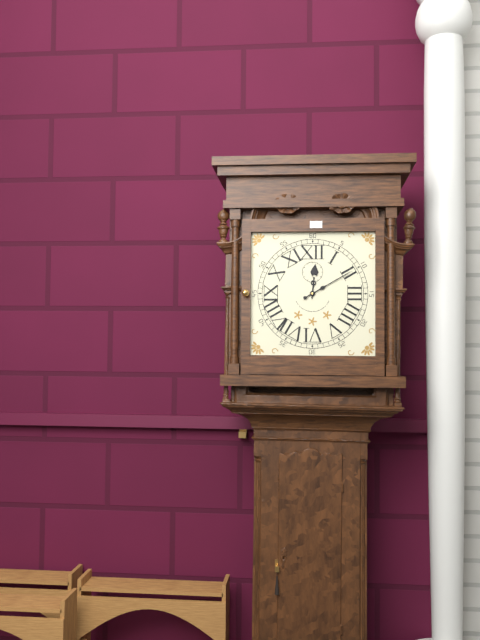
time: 12:10
